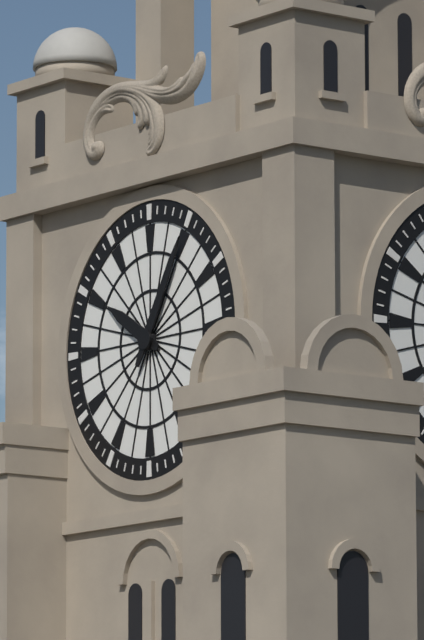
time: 10:05
